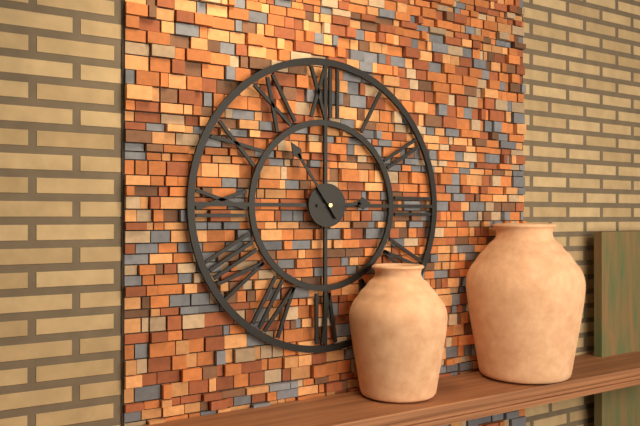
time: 2:54
